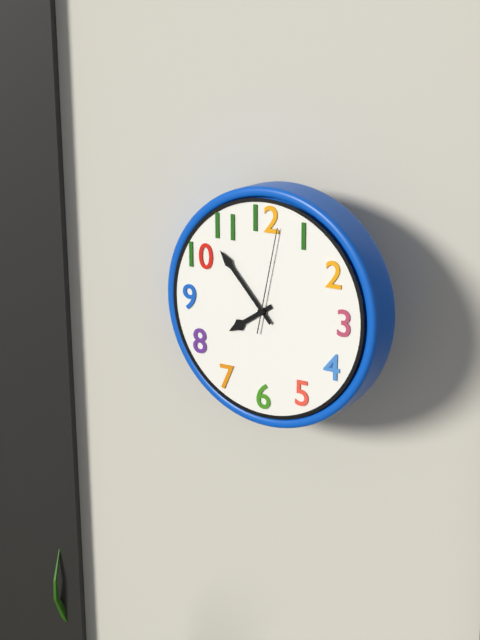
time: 7:53:02
